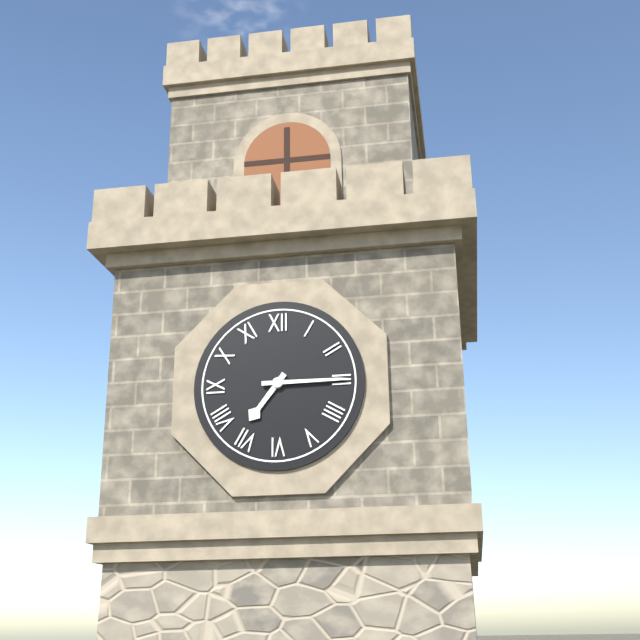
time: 7:15
